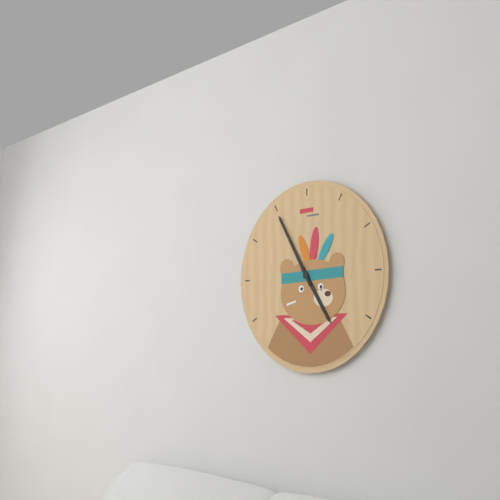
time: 4:55
